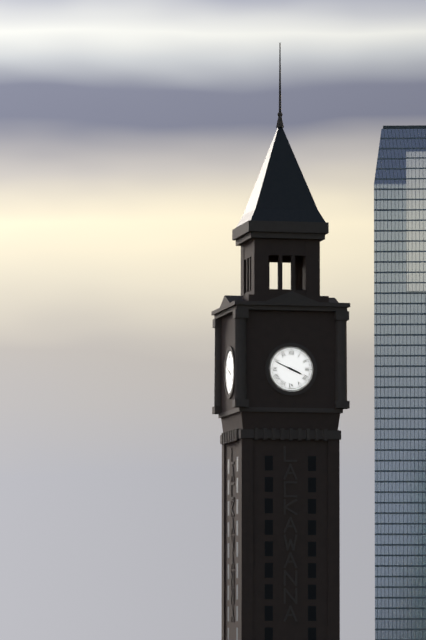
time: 3:49
